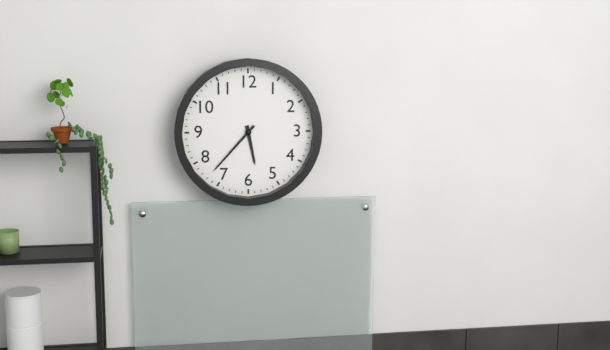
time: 5:37
